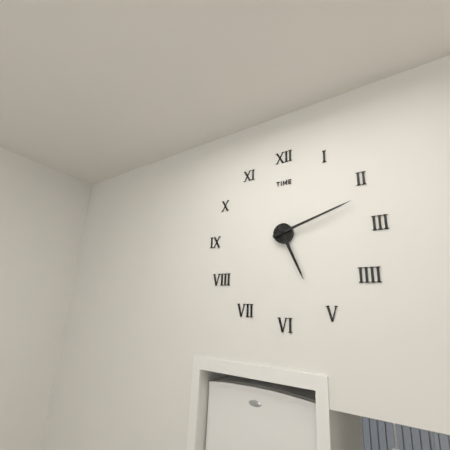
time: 5:12
